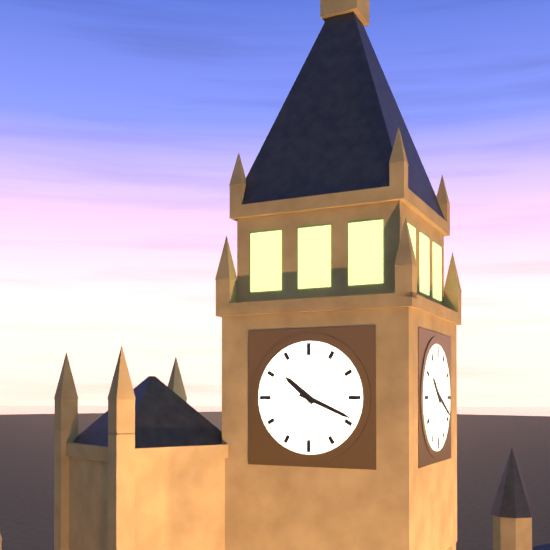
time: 10:19
